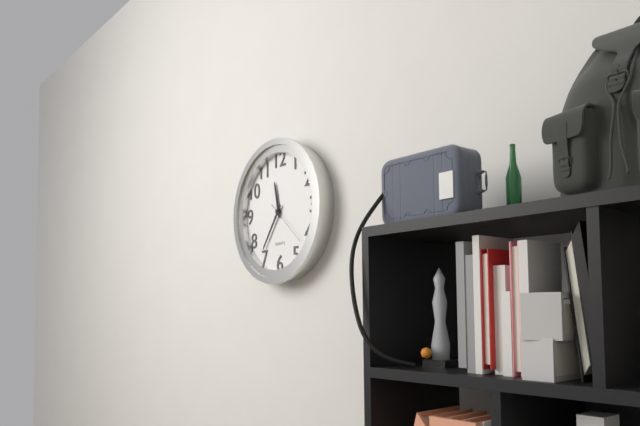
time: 11:36
